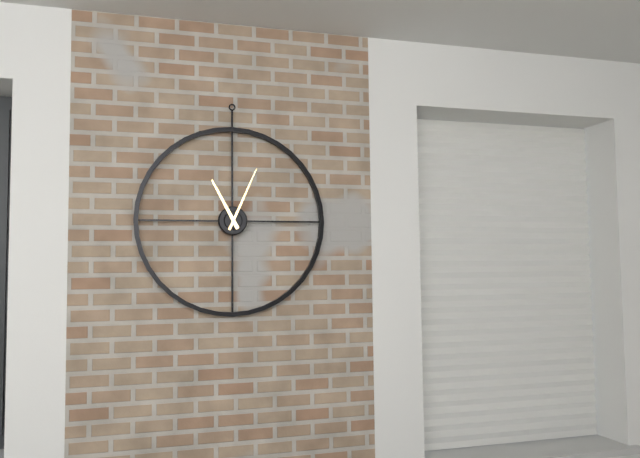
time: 11:04
